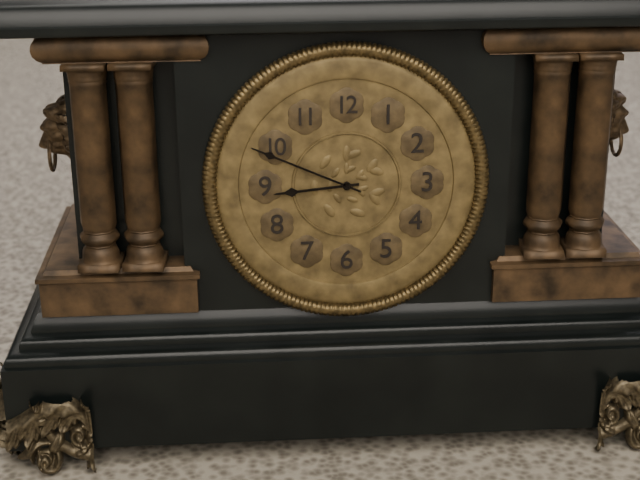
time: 8:49
